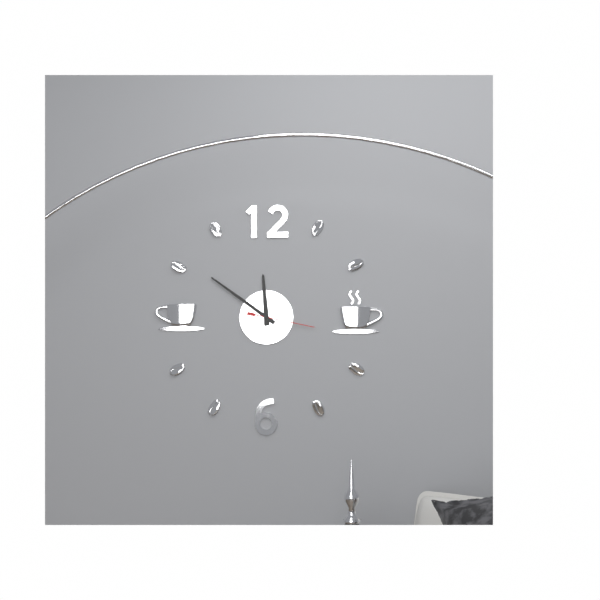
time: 11:51:17
